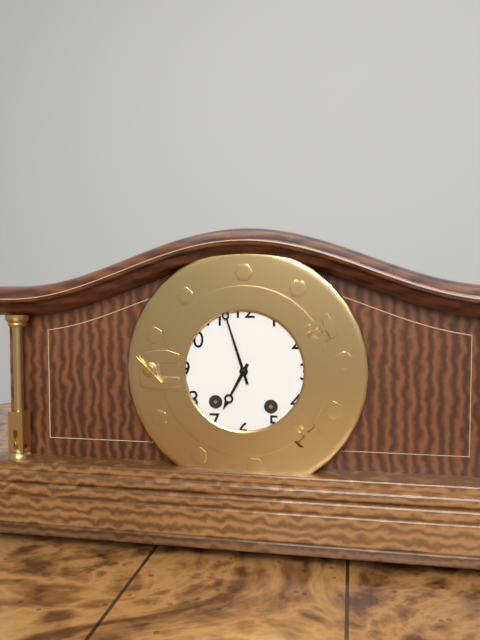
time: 6:57
